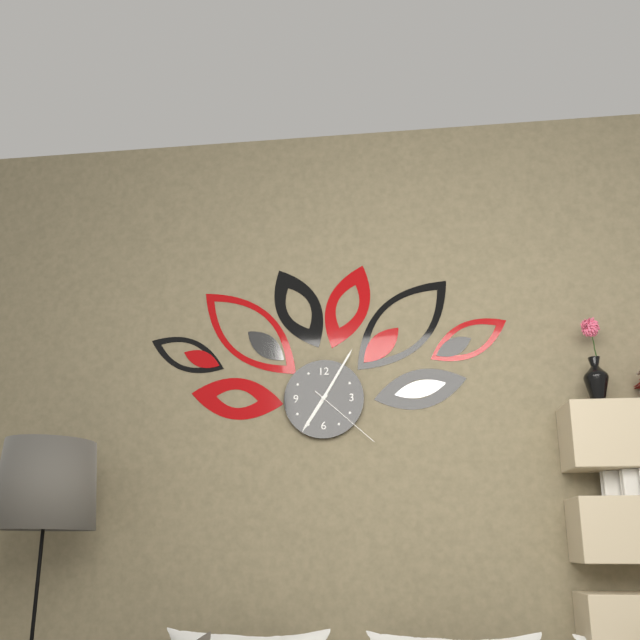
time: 7:05:22
